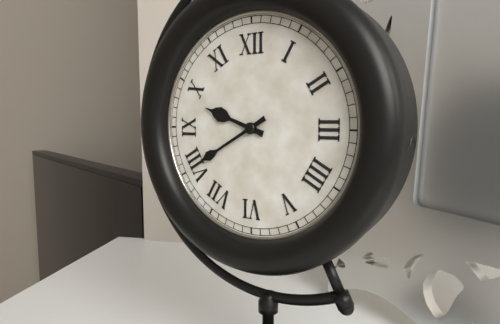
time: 9:40
